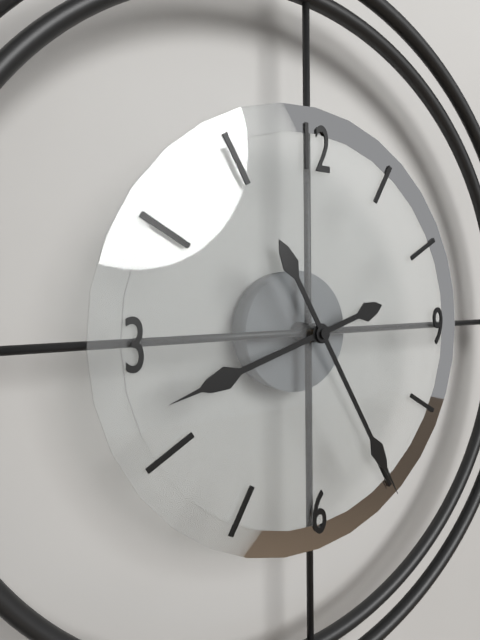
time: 8:25
